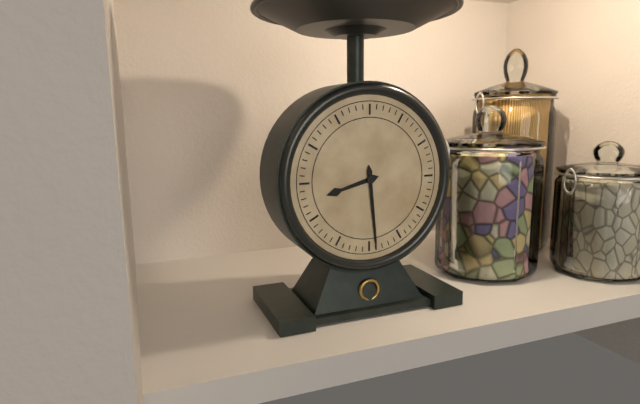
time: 8:29
